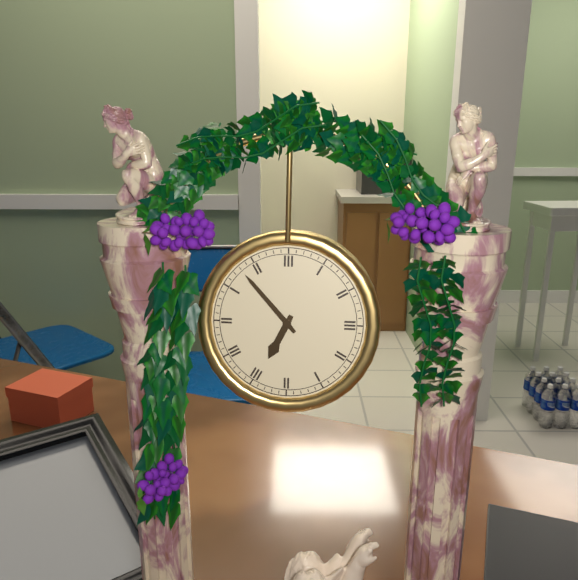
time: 6:53
